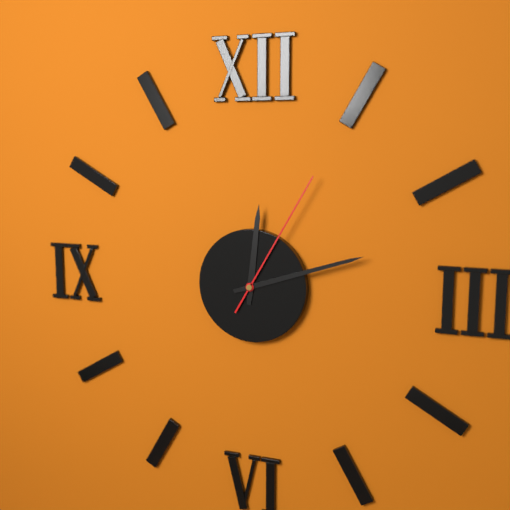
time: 12:12:05
